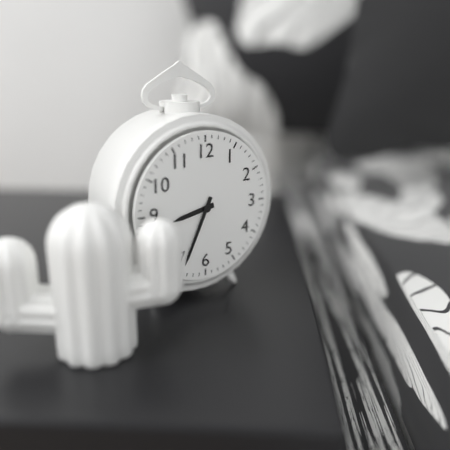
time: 8:34
